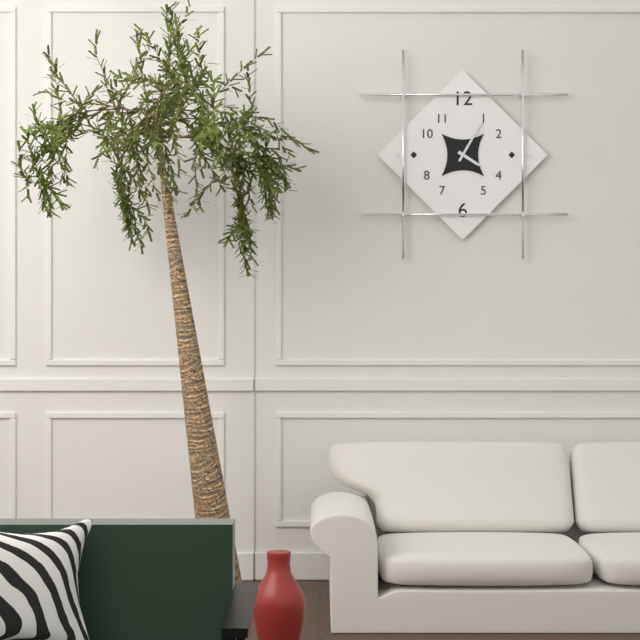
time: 4:05
